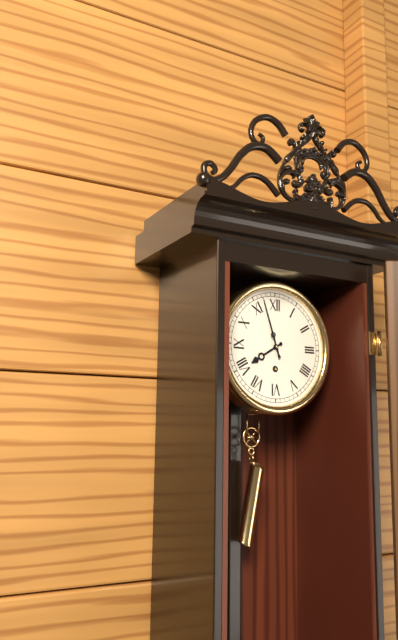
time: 7:57
